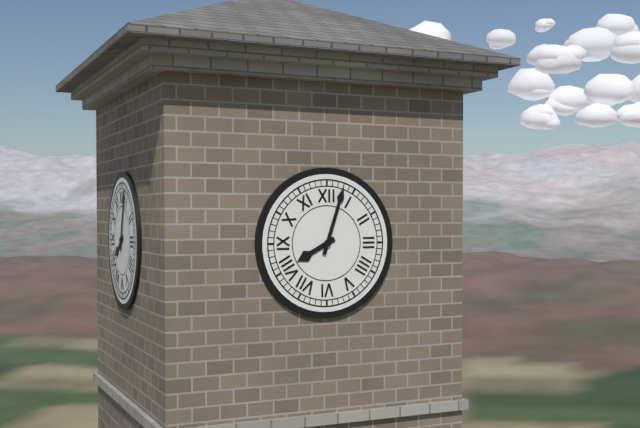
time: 8:03
